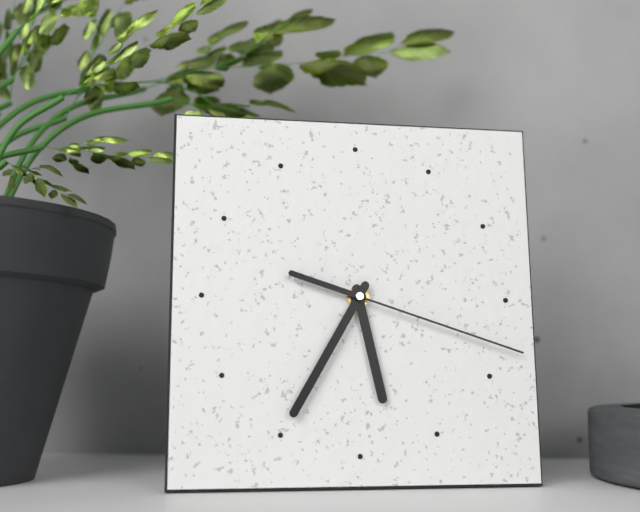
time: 5:35:18
